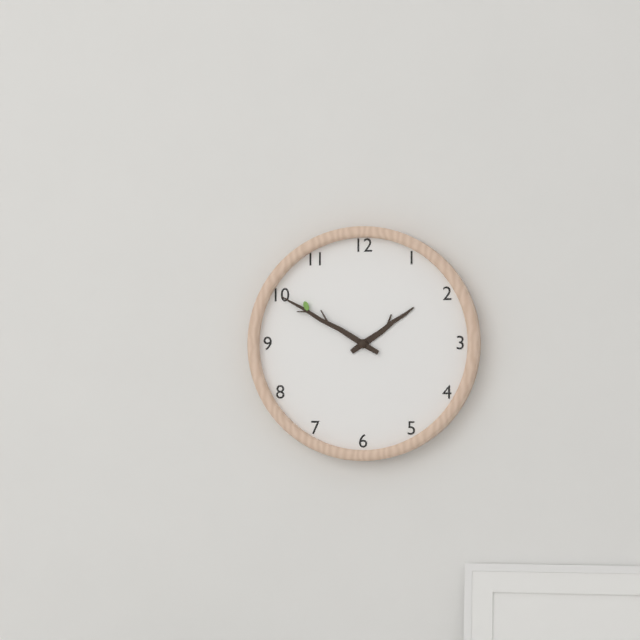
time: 1:50
